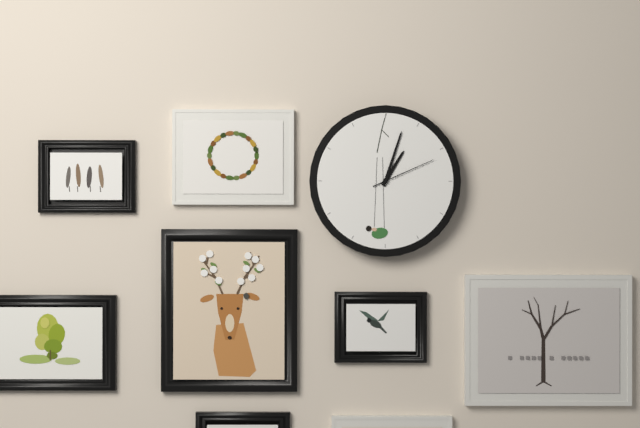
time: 1:03:11
